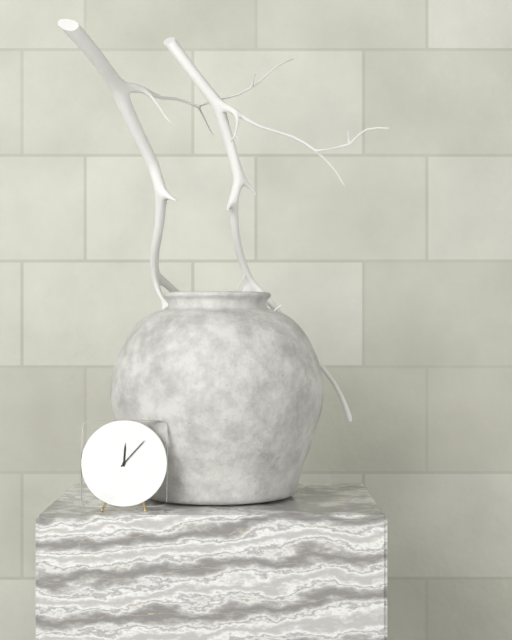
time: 12:07
